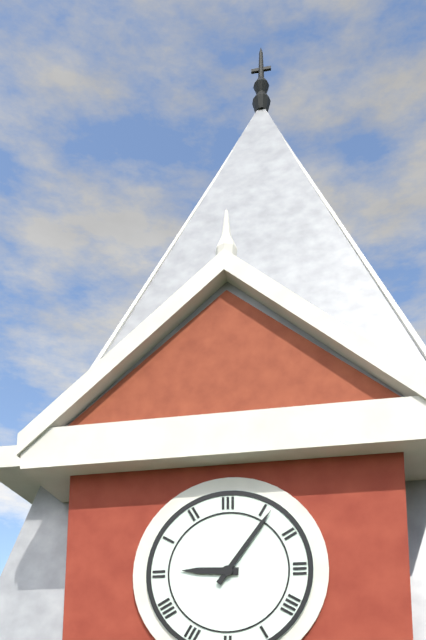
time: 9:06
